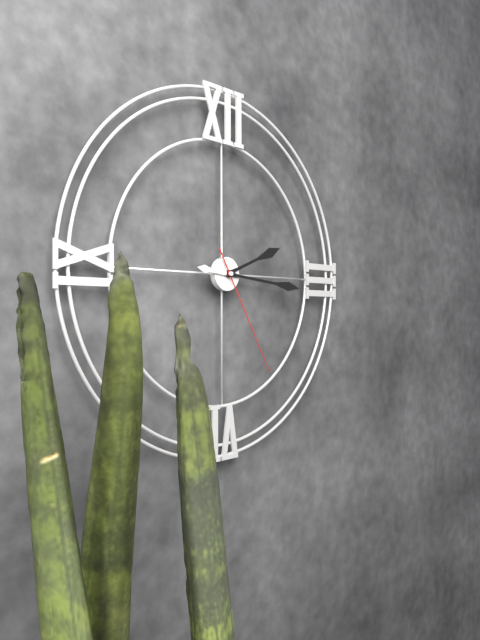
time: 2:16:25
